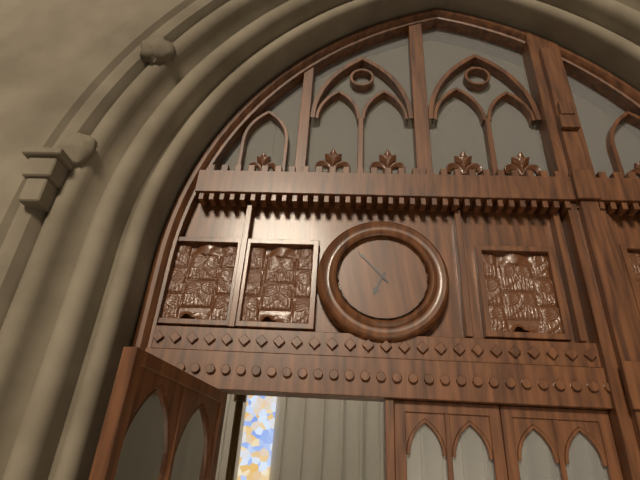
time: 6:53
